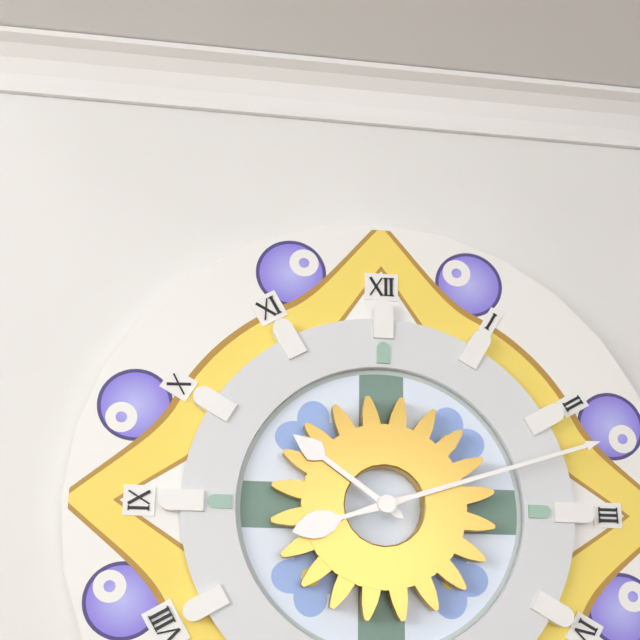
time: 10:12
